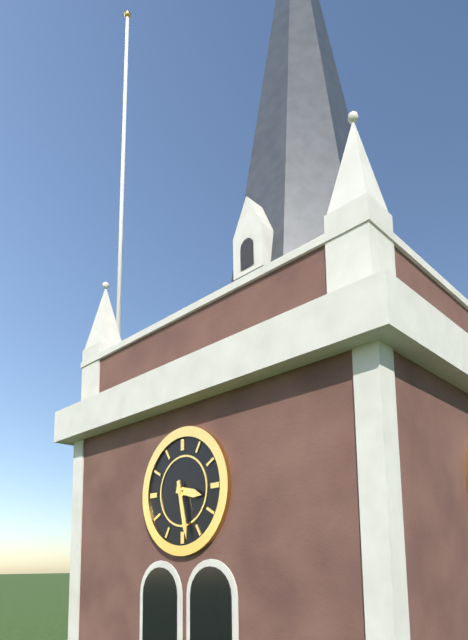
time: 3:28
